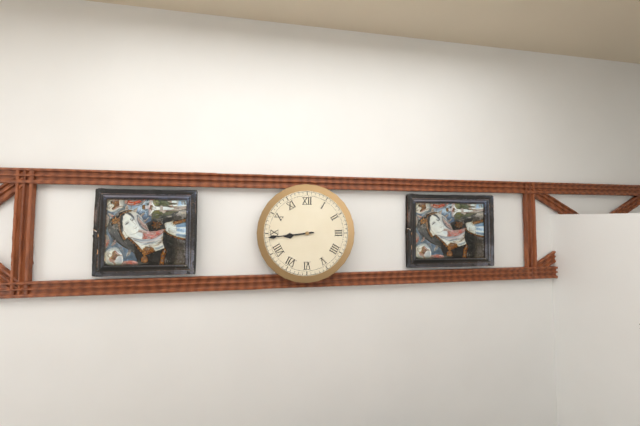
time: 8:44
